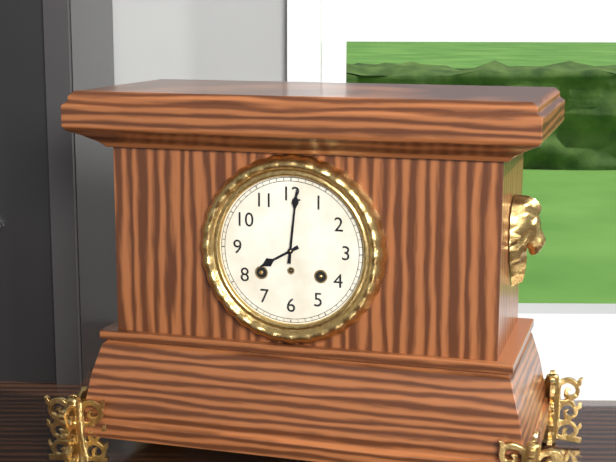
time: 8:01
